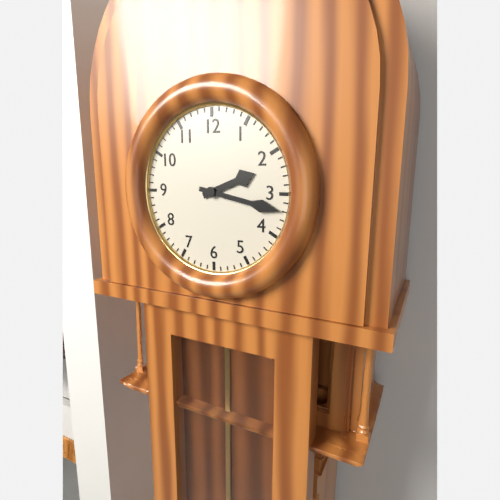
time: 2:17
